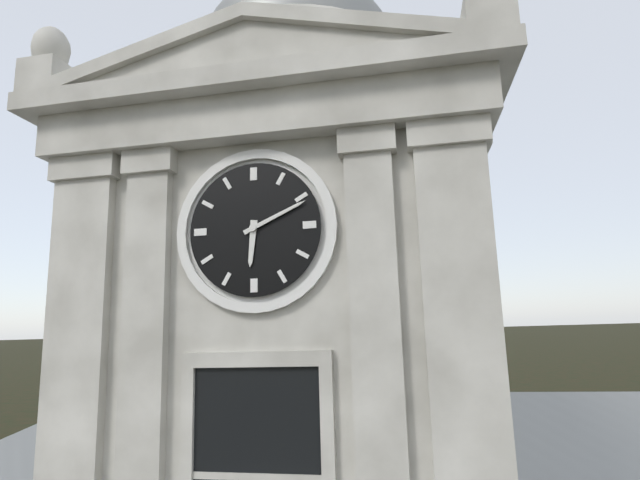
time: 6:11
